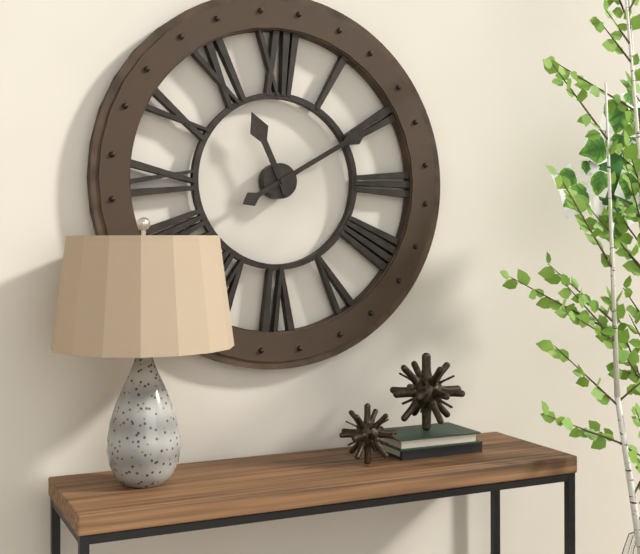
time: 11:10
